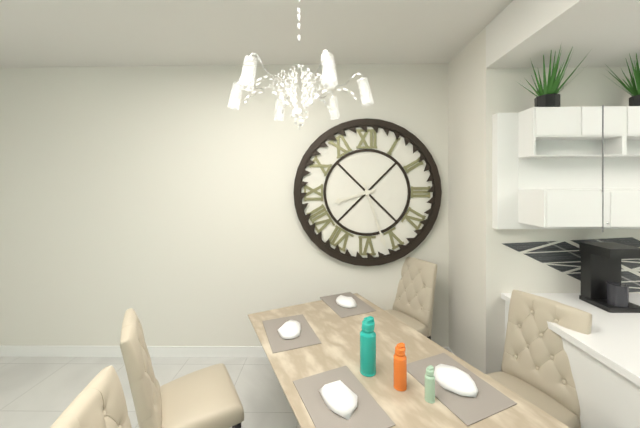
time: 8:27
